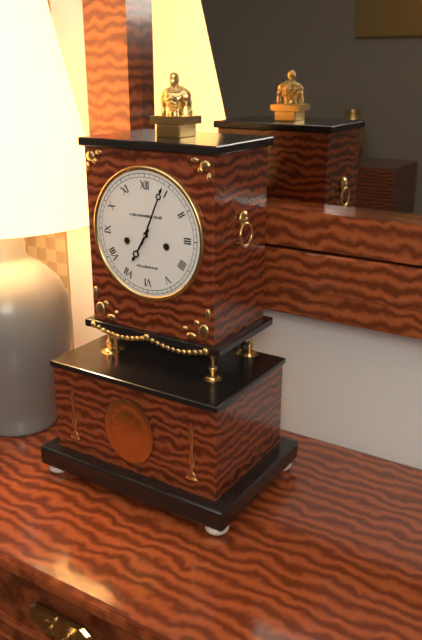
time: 7:04
